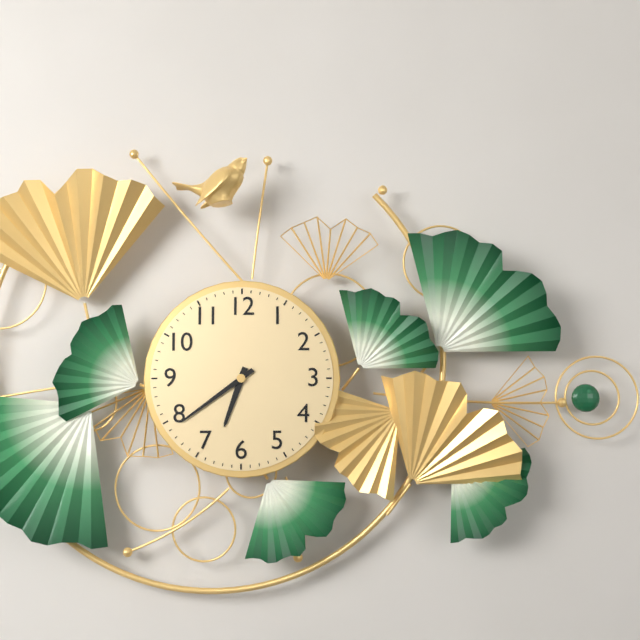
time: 6:39
